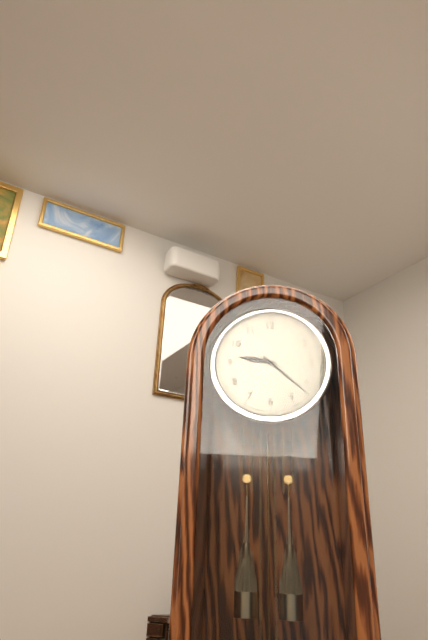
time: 9:22
